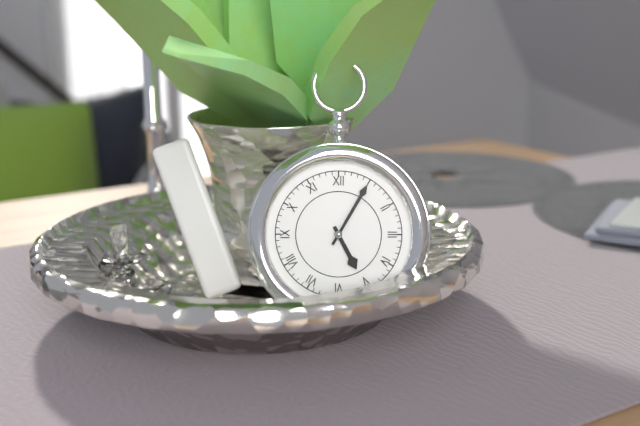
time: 5:05
